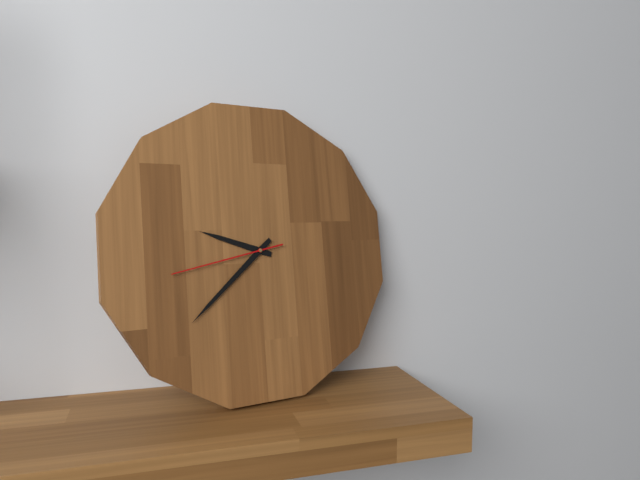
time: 9:38:43
